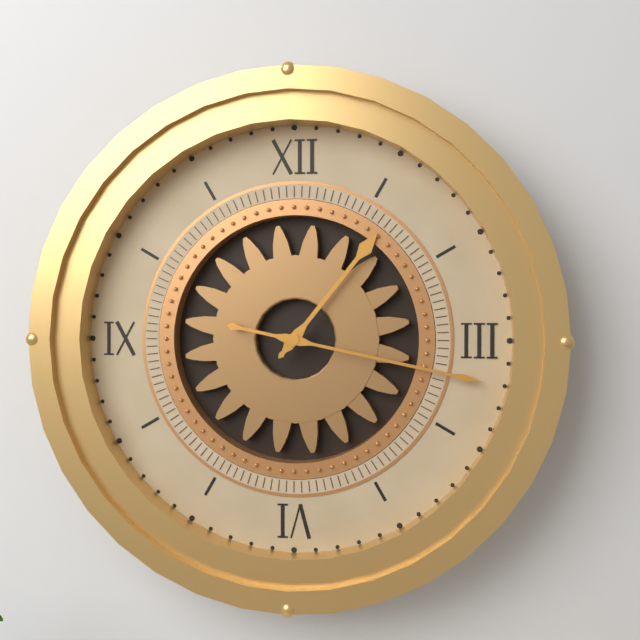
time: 1:17
